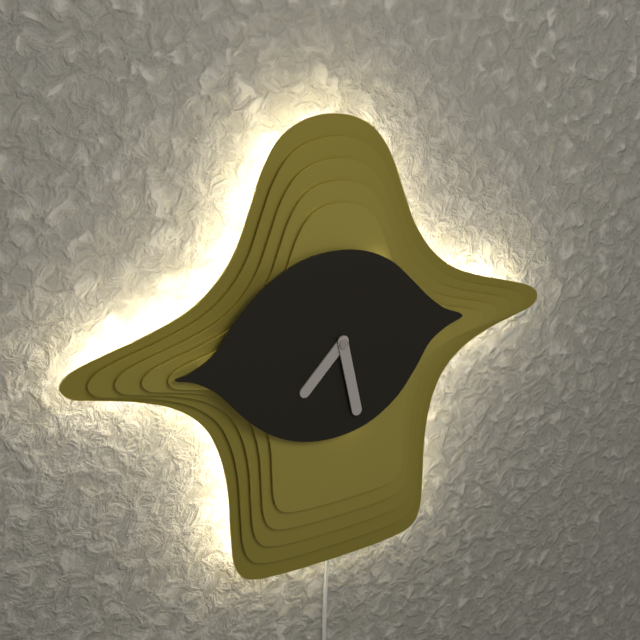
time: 7:28
